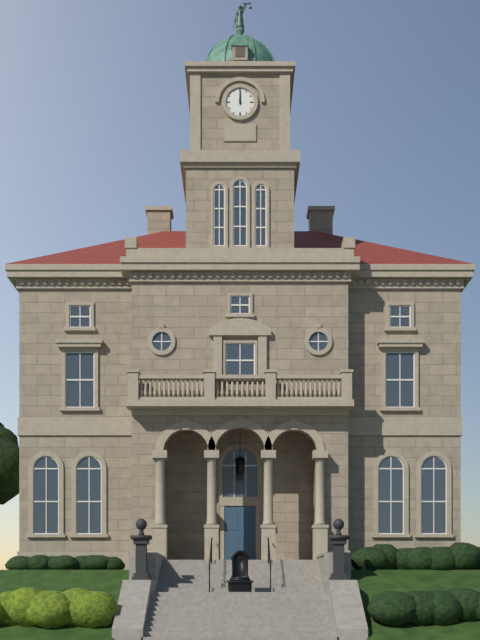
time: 12:00
